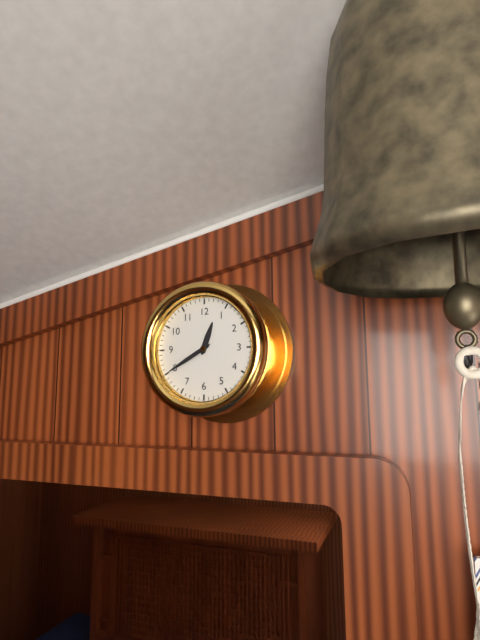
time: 12:40
